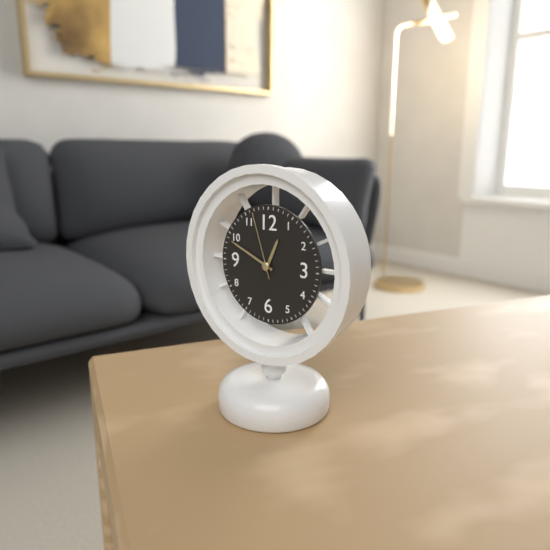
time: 12:49:57
